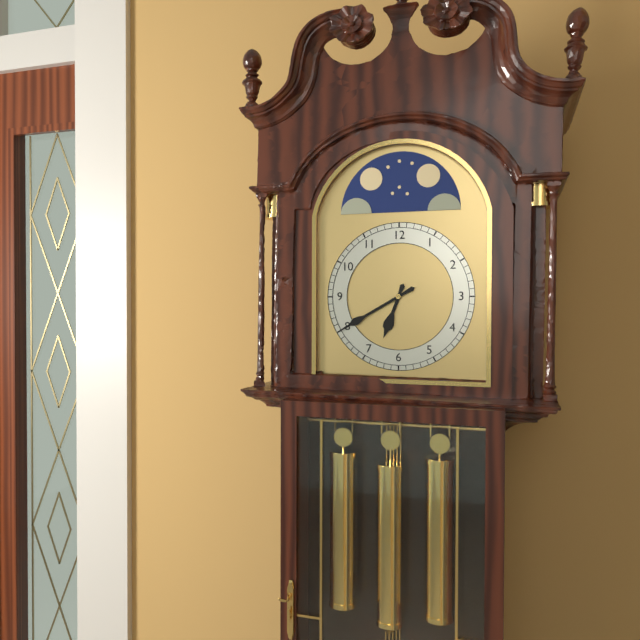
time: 6:40
